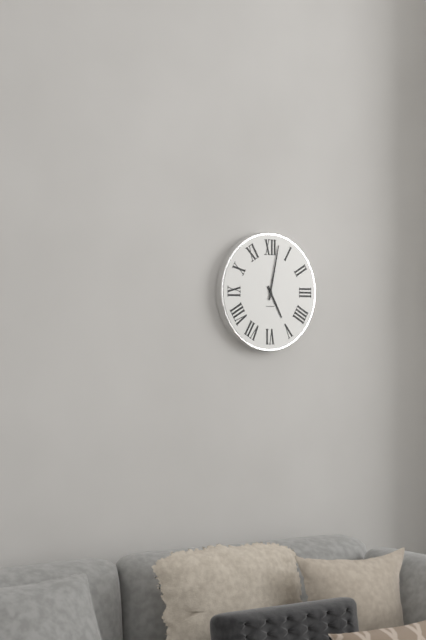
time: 5:02
